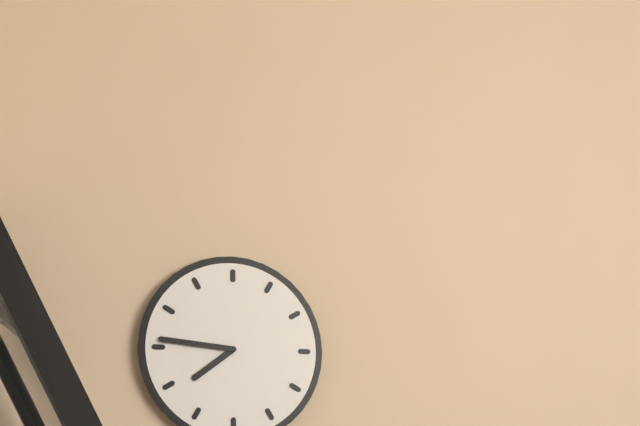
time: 7:46
